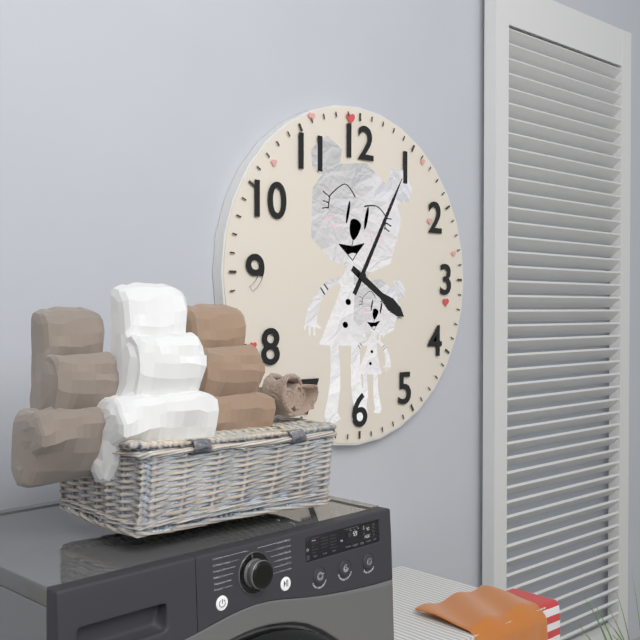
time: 4:05
